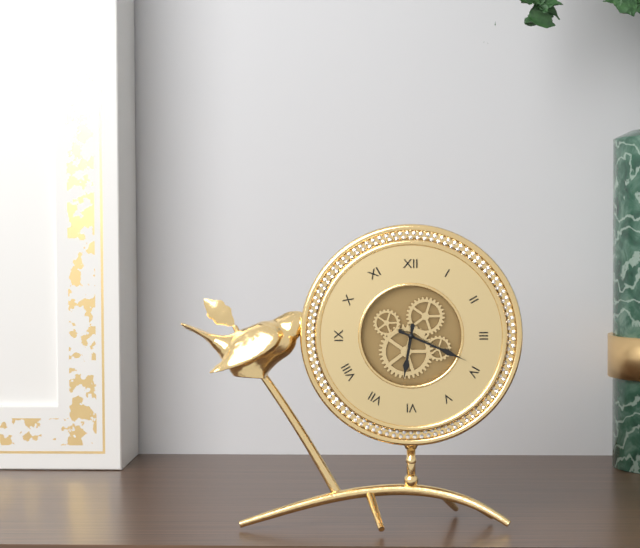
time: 6:19
